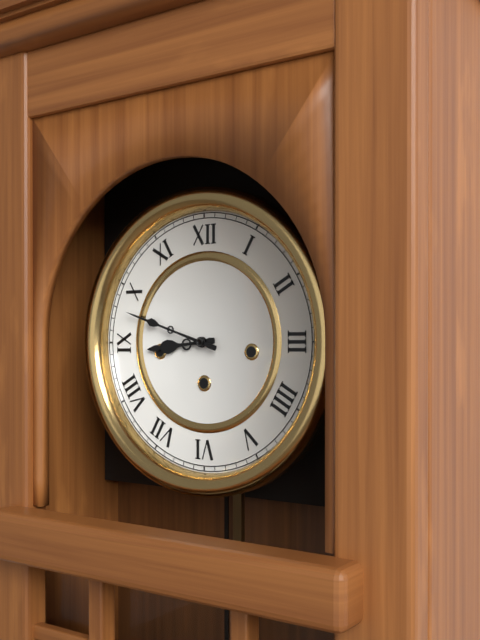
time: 8:48
